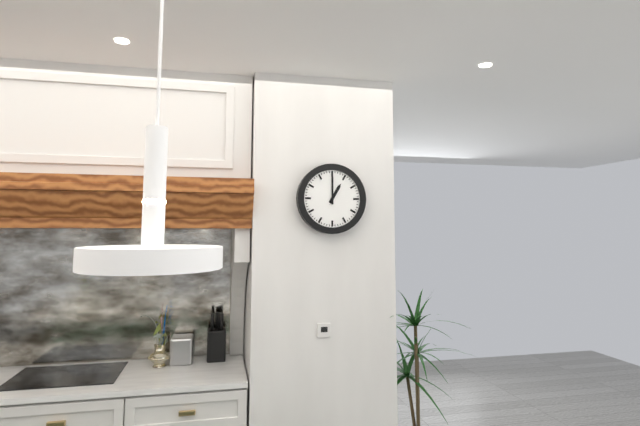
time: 1:00
